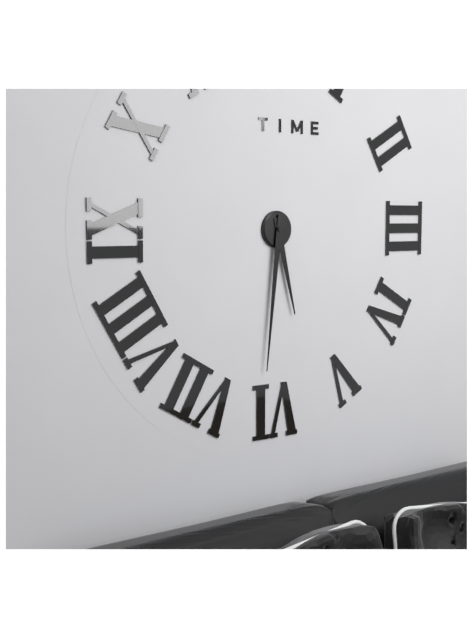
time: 5:31
